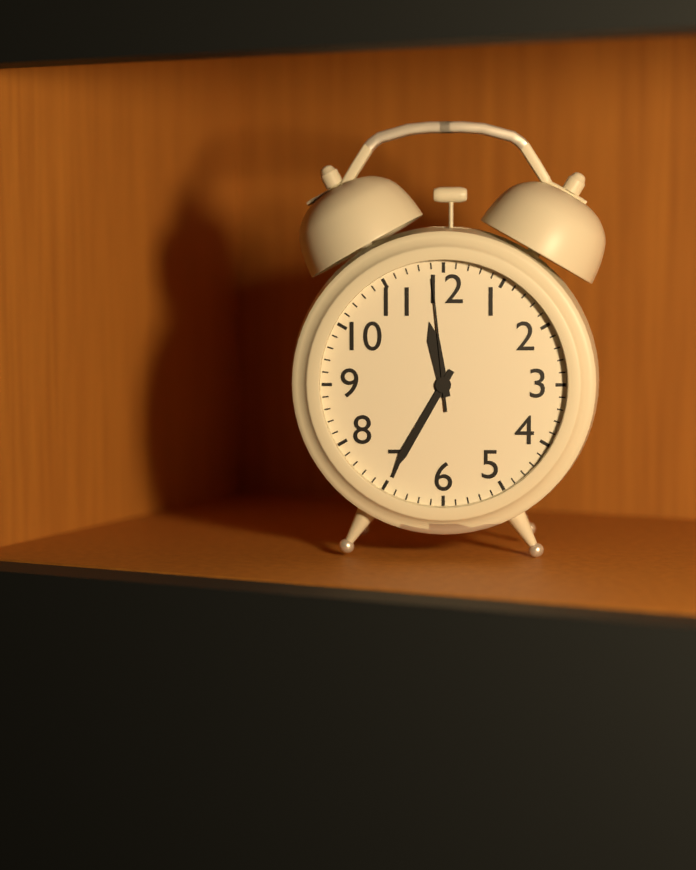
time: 11:35:59
